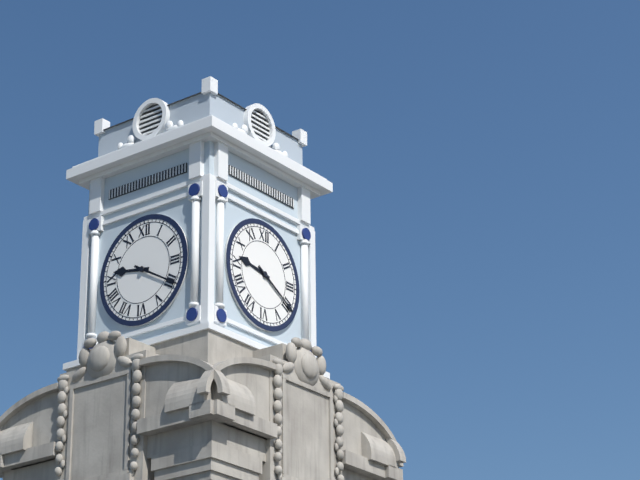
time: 9:20
